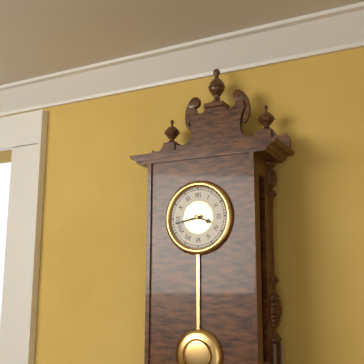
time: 3:43
